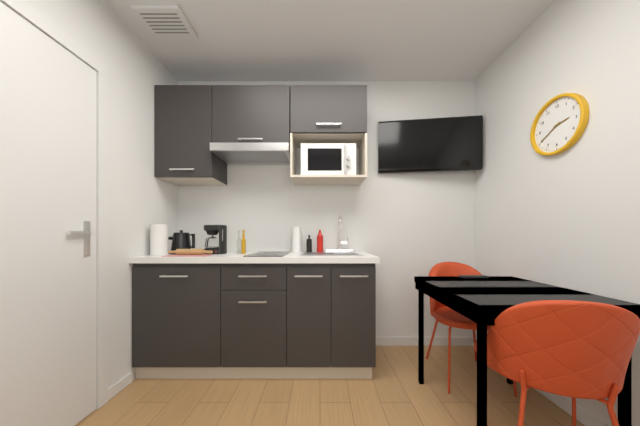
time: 2:40
